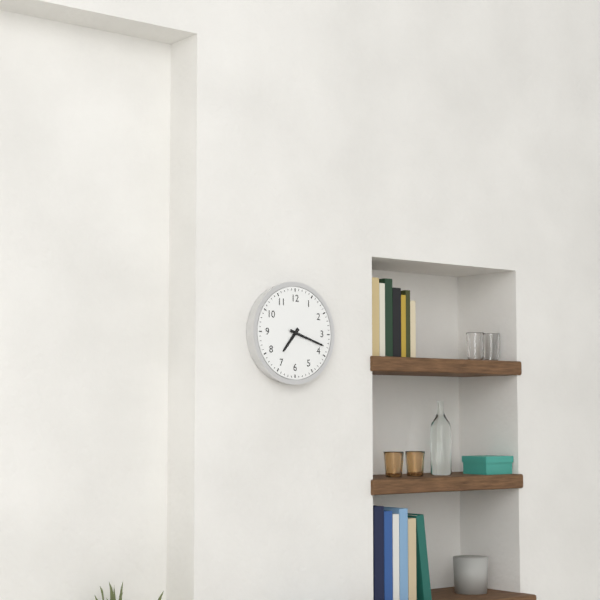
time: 7:18
